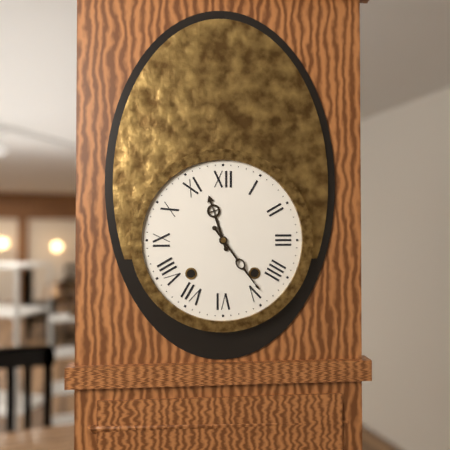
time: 11:24
